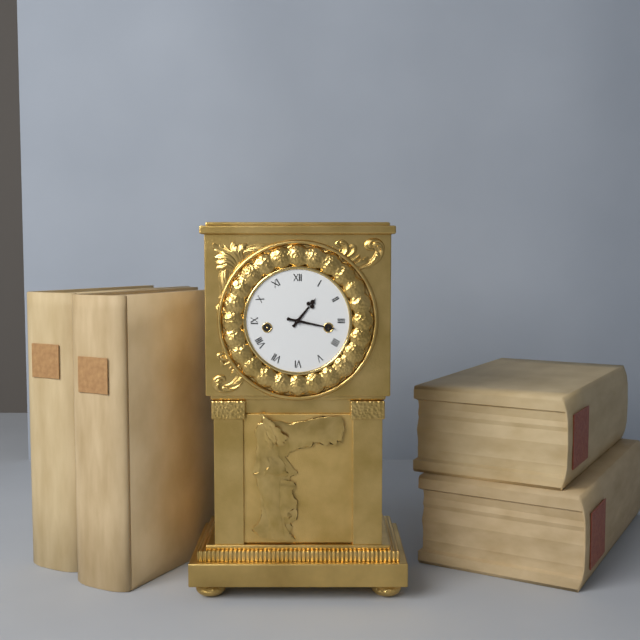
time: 1:17
